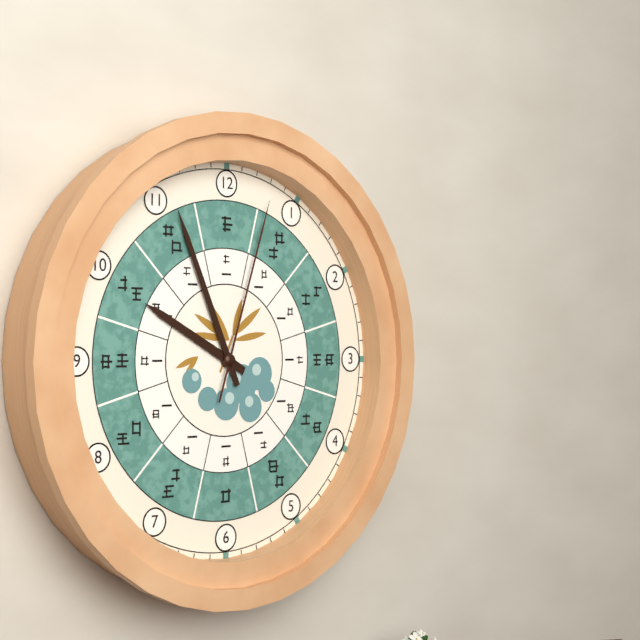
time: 9:56:03
